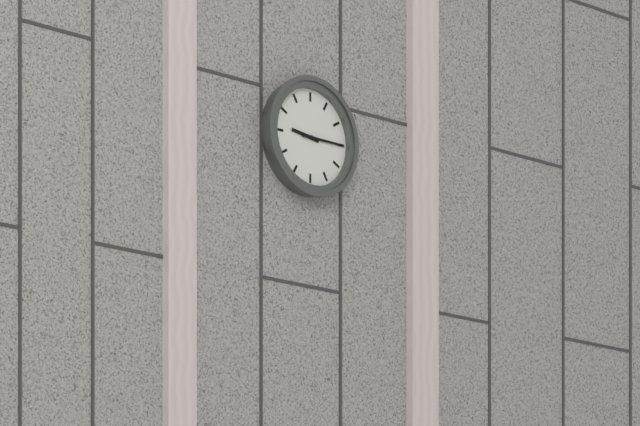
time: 9:15
